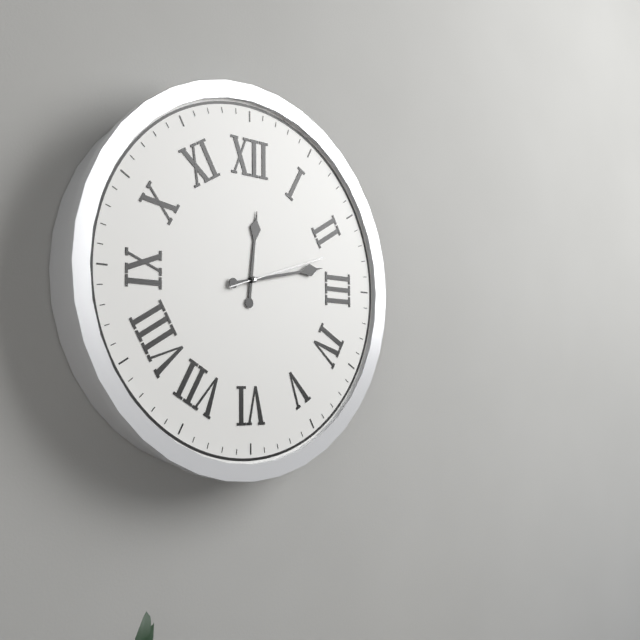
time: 12:13:12
